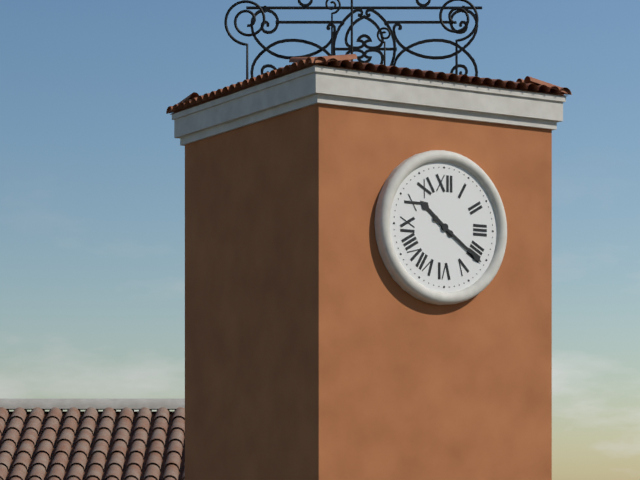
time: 10:21
